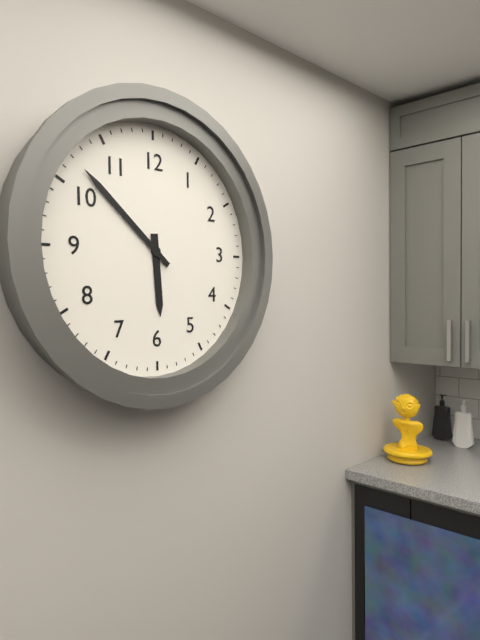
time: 5:52
